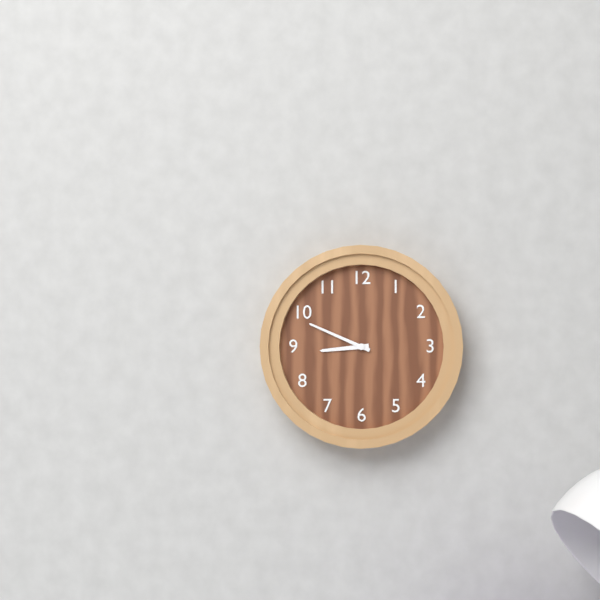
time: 8:49
